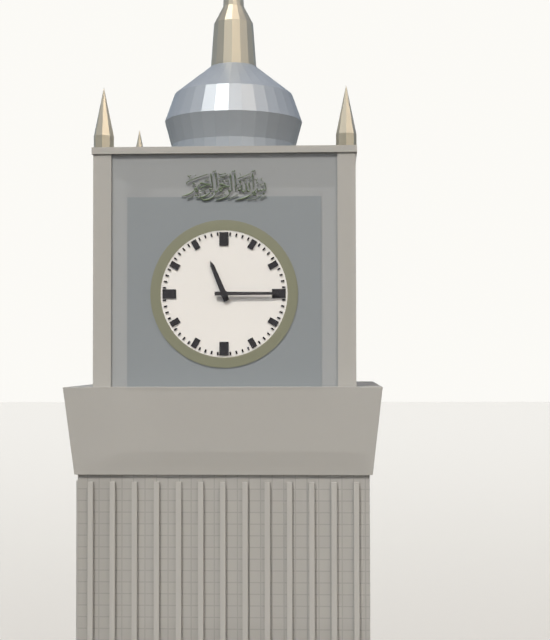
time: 11:15
